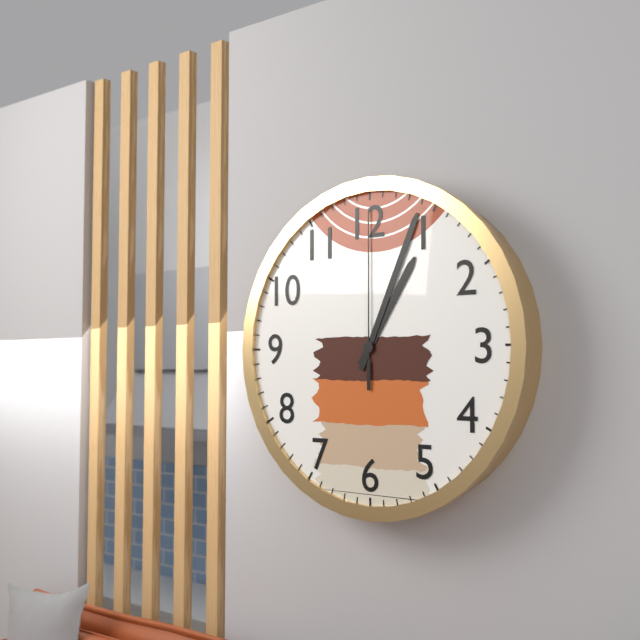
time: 1:04:00
